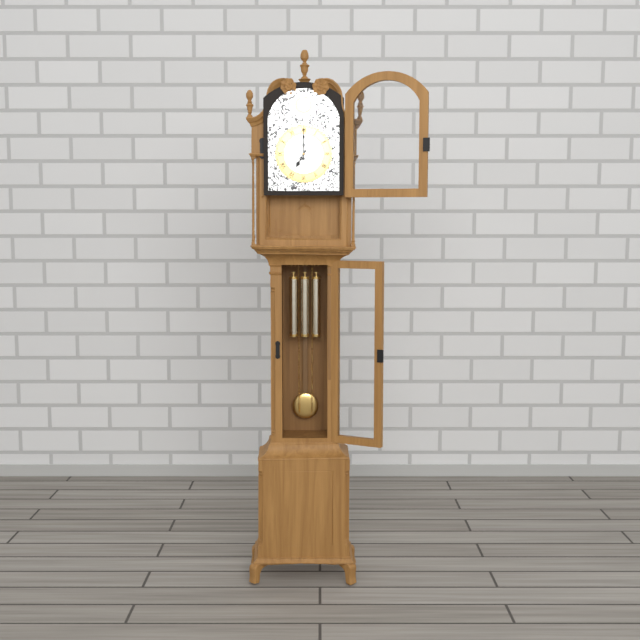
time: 7:00
